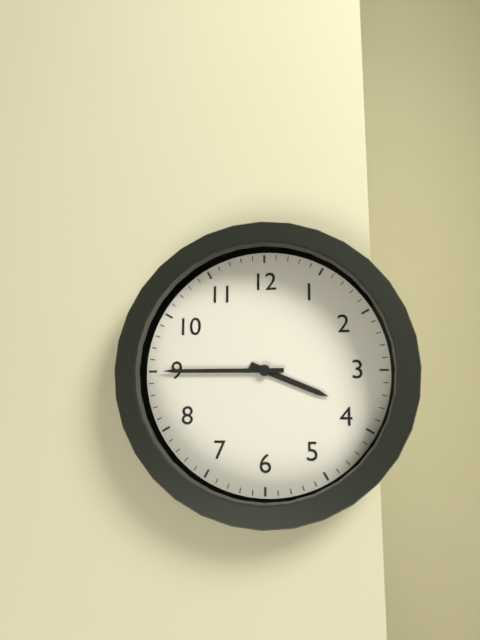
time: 3:45
